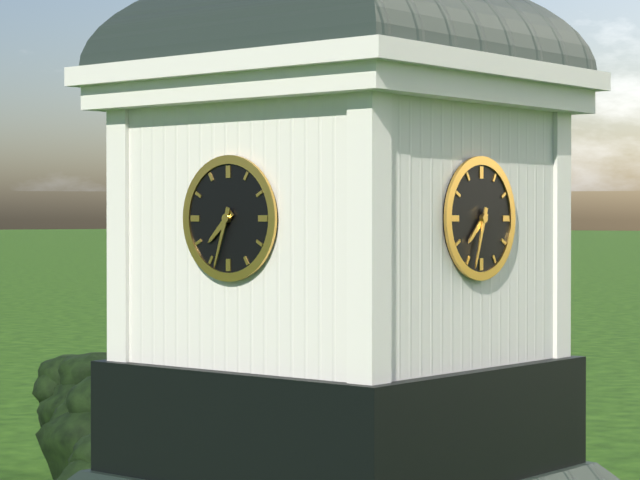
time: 7:33
